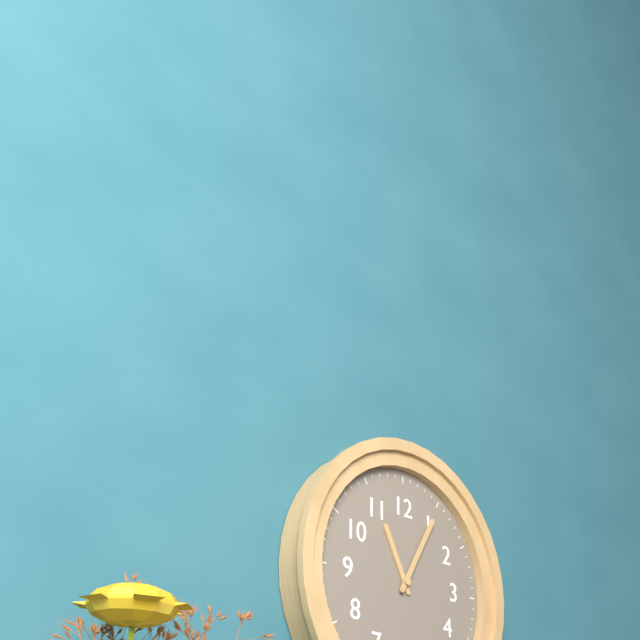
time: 11:05
